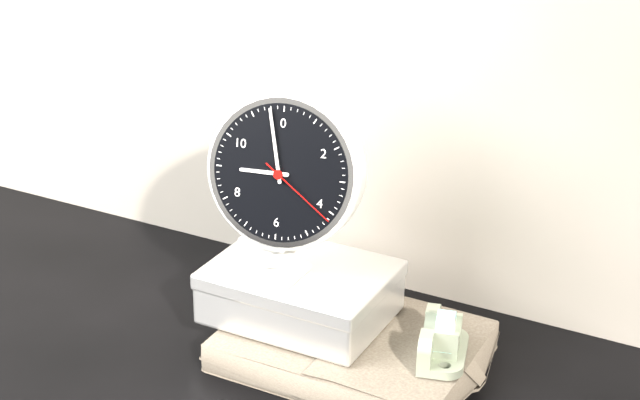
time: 8:58:21
